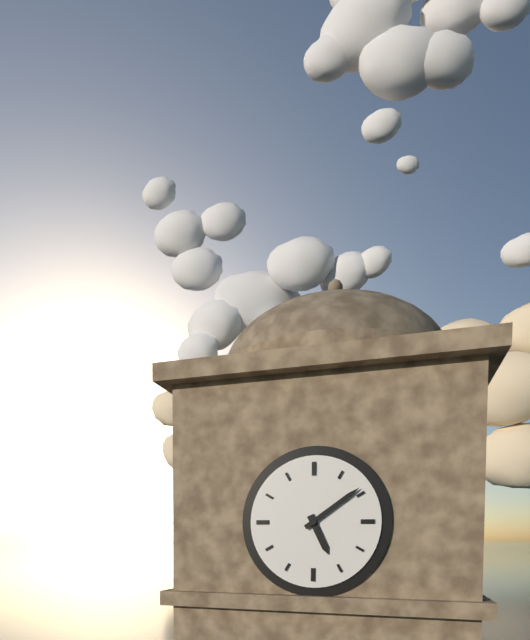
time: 5:09
